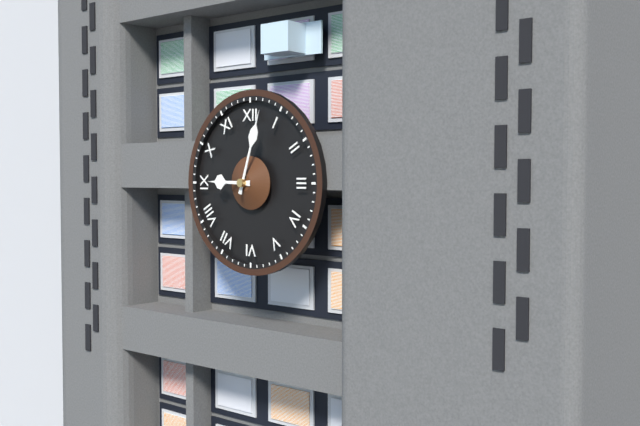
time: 9:03
